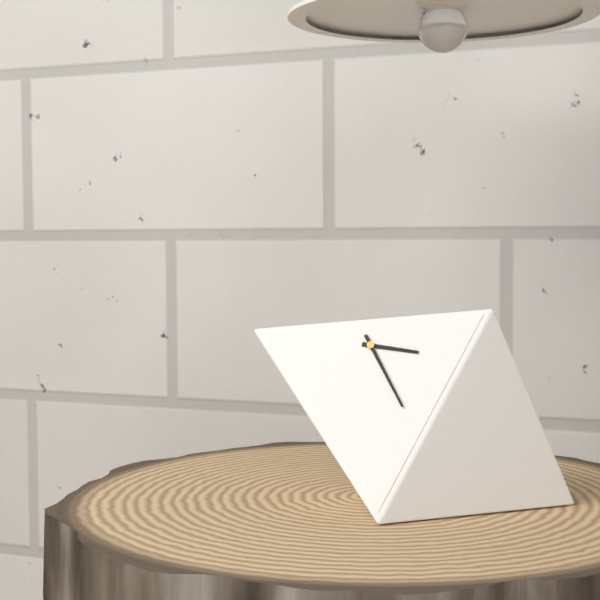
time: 3:26
